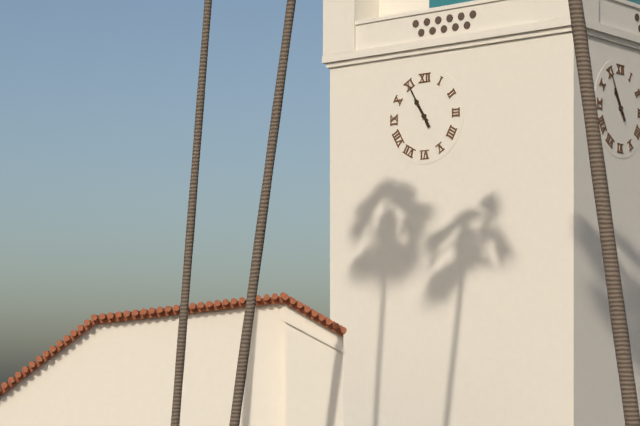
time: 10:55
